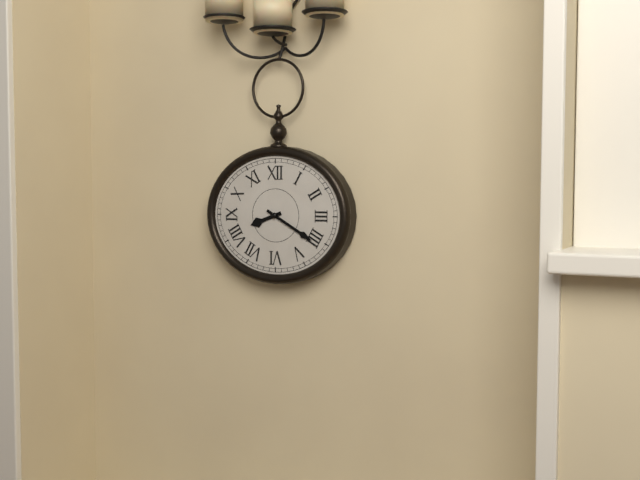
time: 8:20
